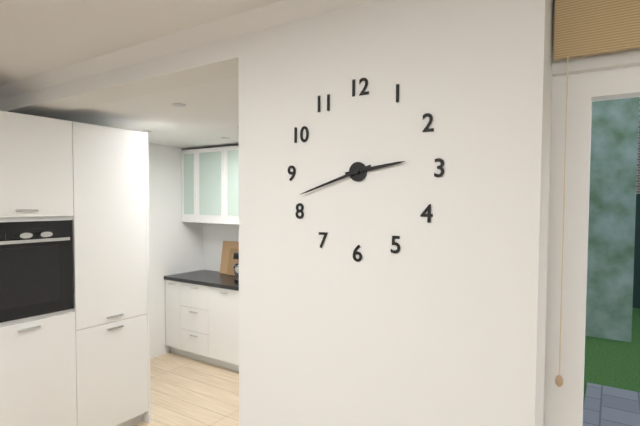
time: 2:42
